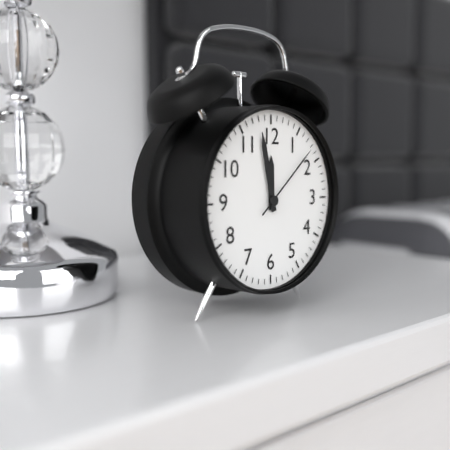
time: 11:58:08
